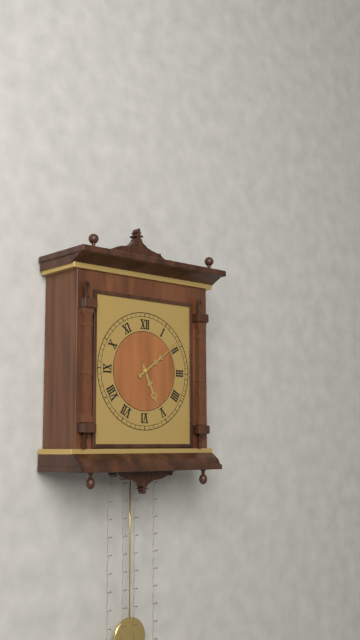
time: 5:09
